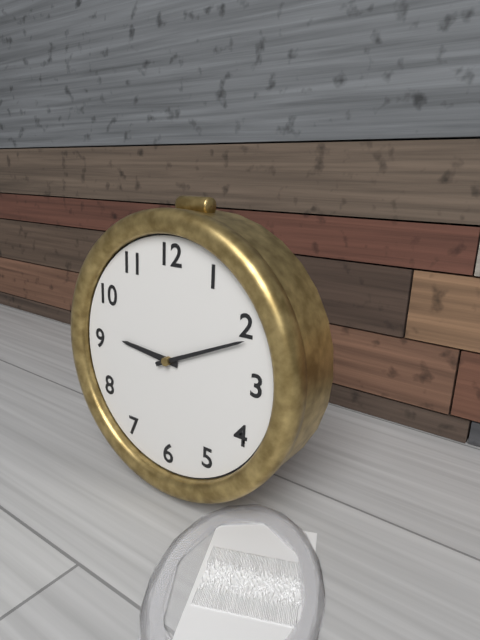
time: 9:11
